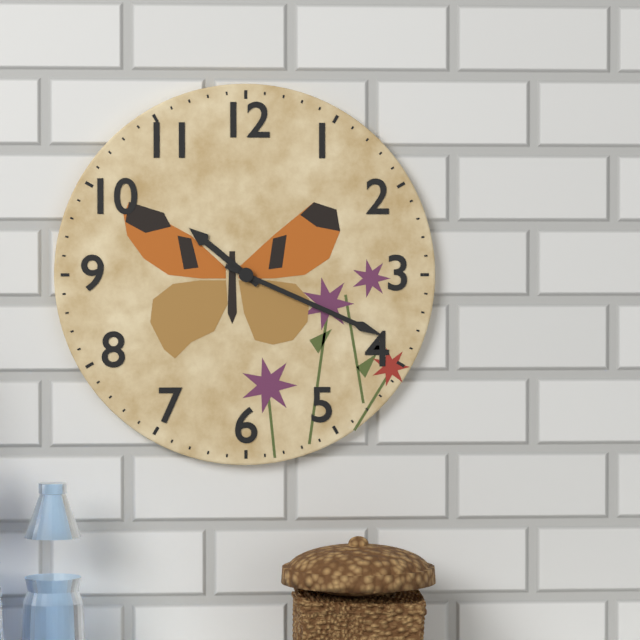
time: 10:19
